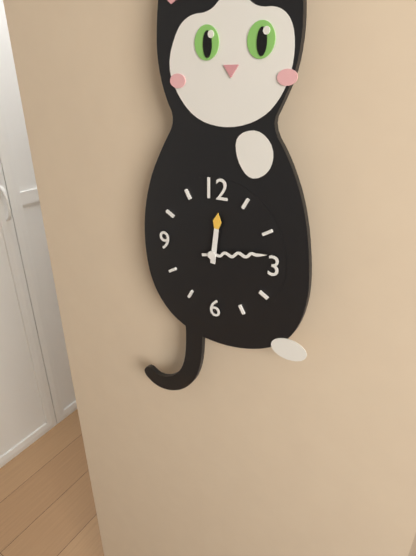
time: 12:13
